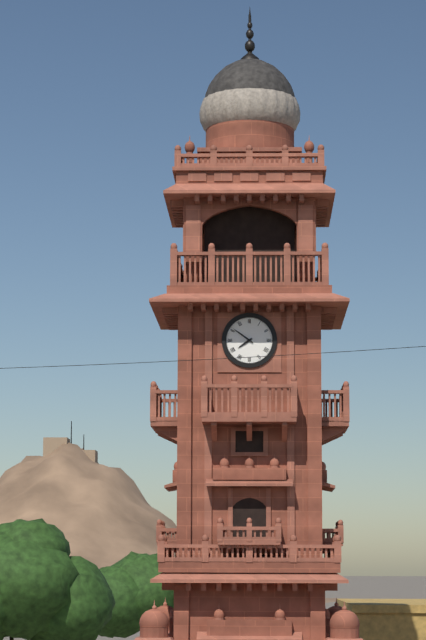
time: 7:51
